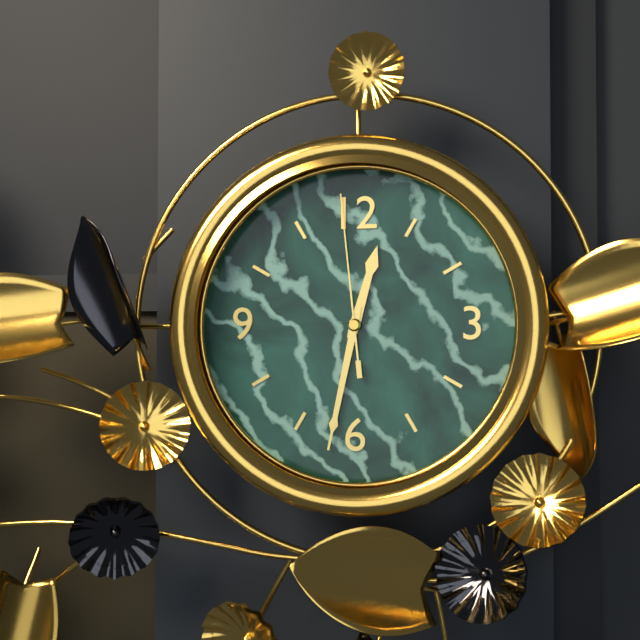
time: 12:32:59
